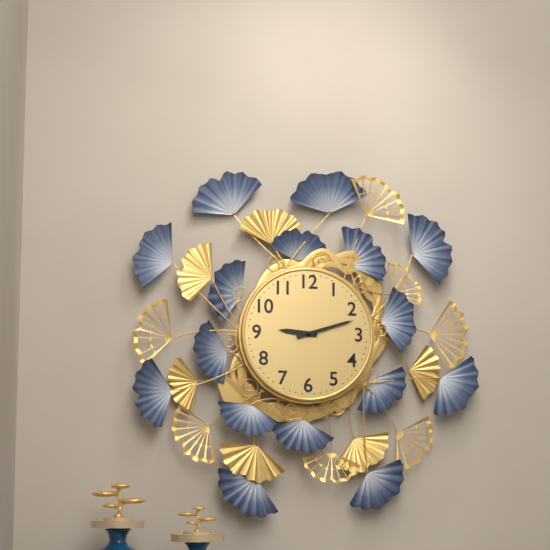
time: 9:12
